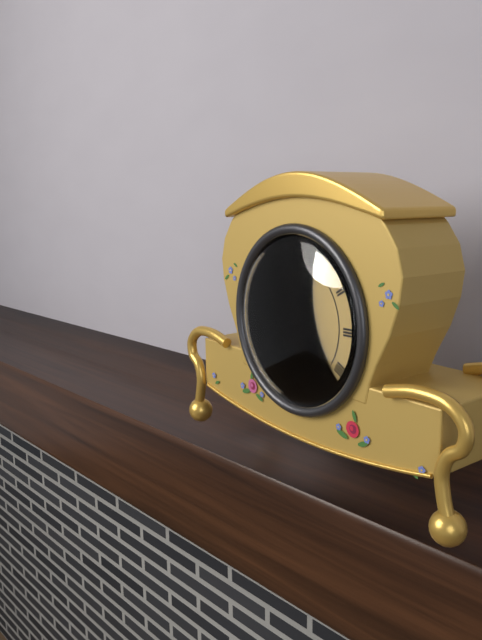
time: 5:54
